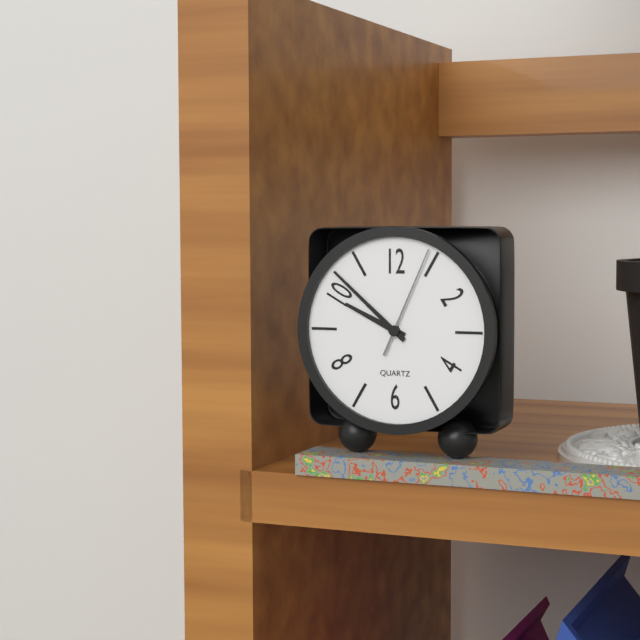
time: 9:52:04
